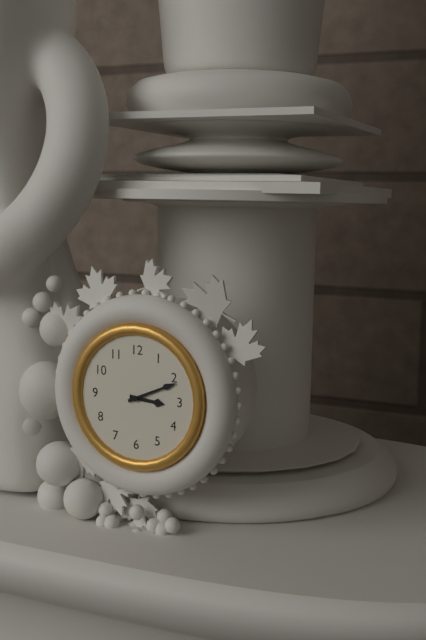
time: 3:11
